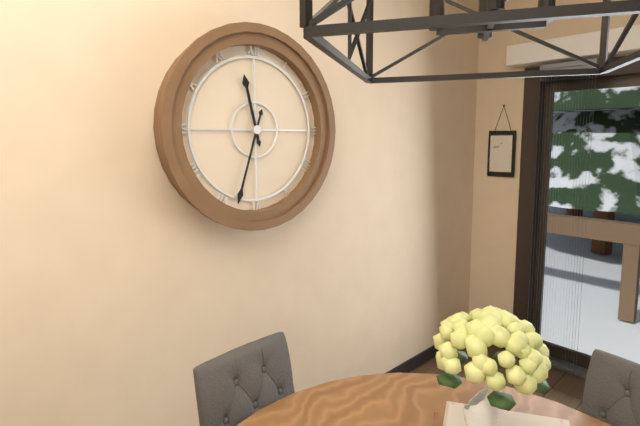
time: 11:33
